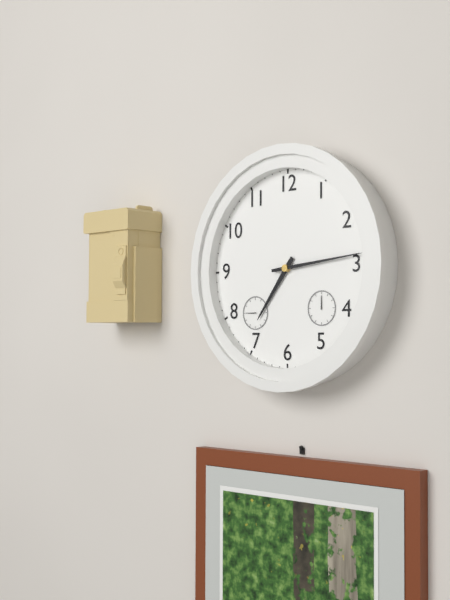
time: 7:14
